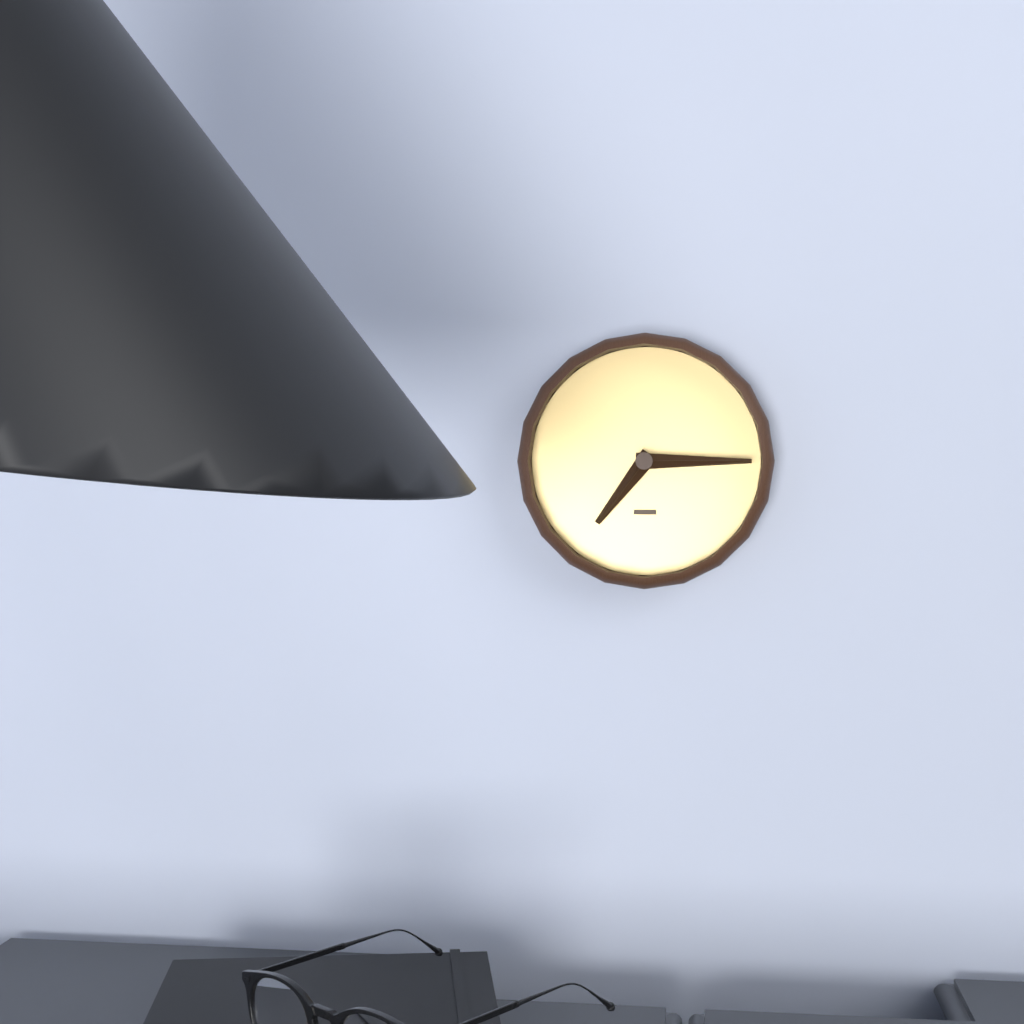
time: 7:15
